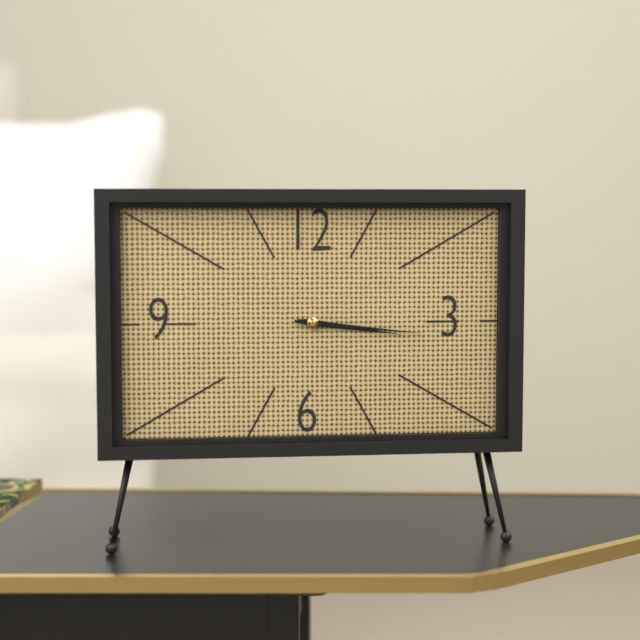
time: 3:16
